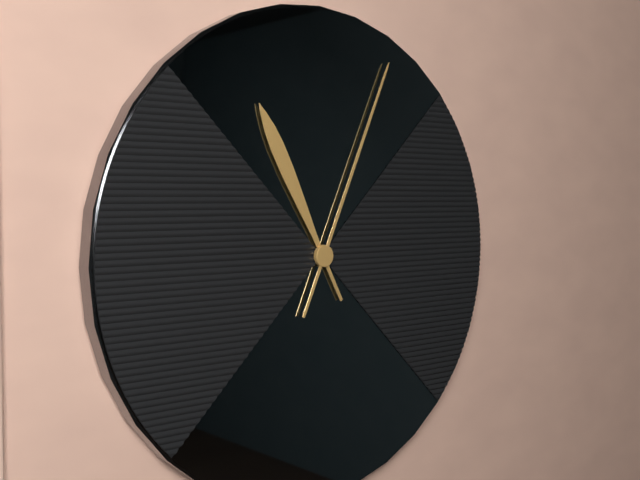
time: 11:04
